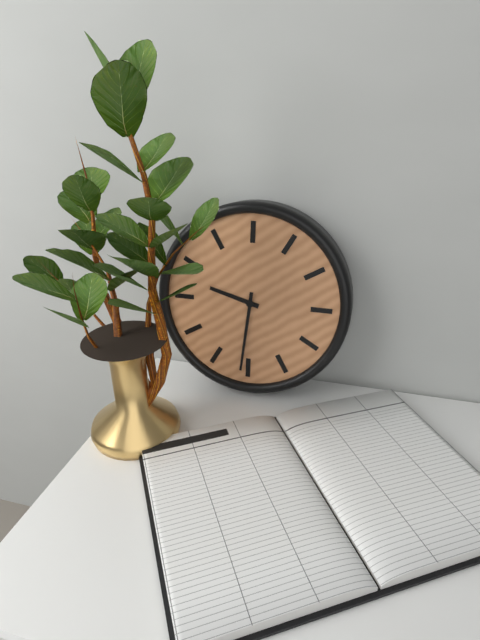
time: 9:31
